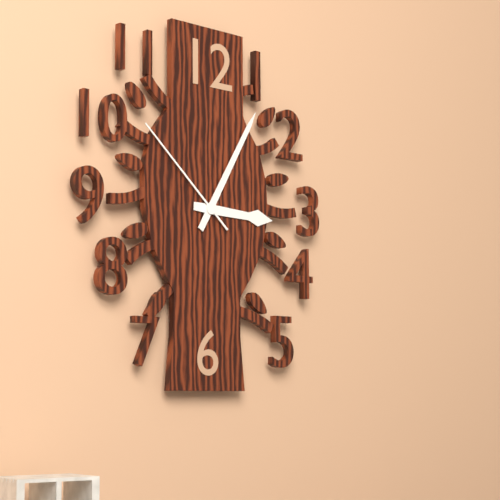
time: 3:05:52
